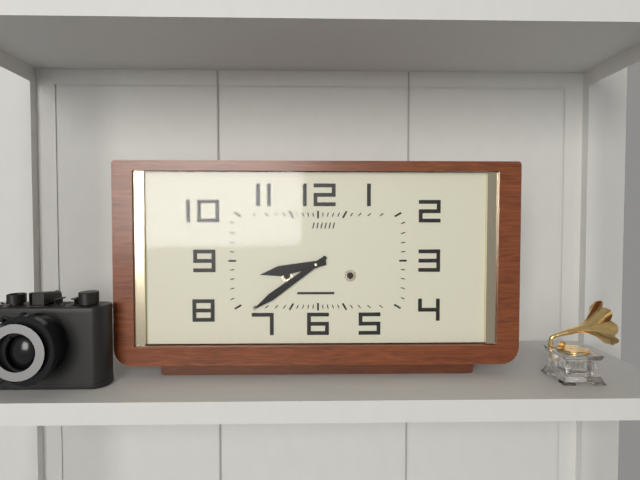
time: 8:39
